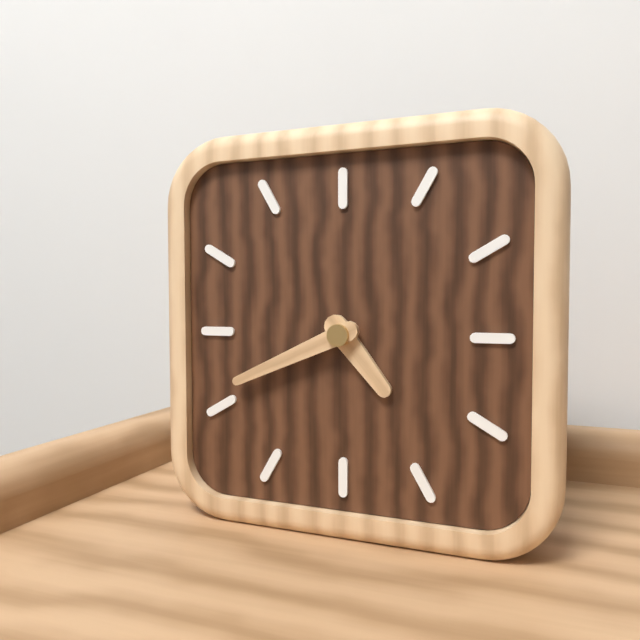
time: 4:41
